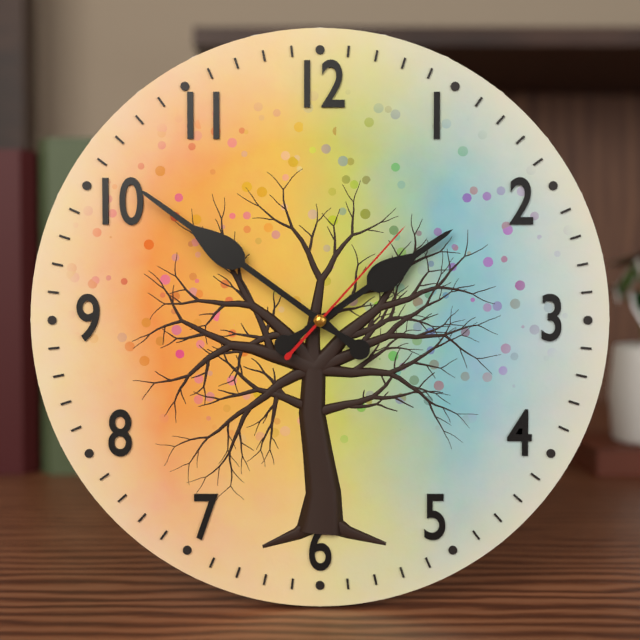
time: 1:51:07
